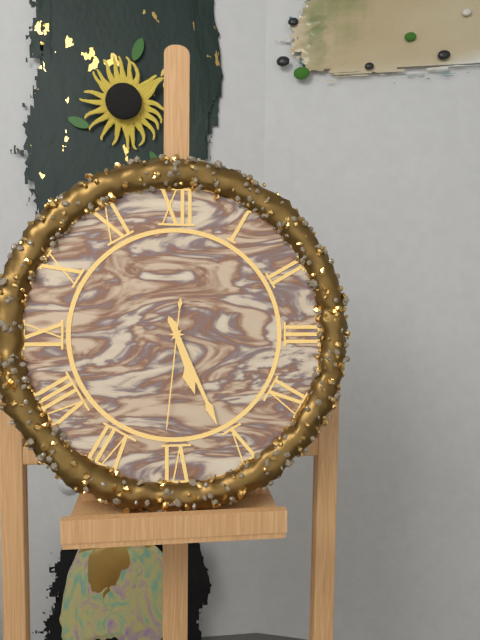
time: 5:26:31
